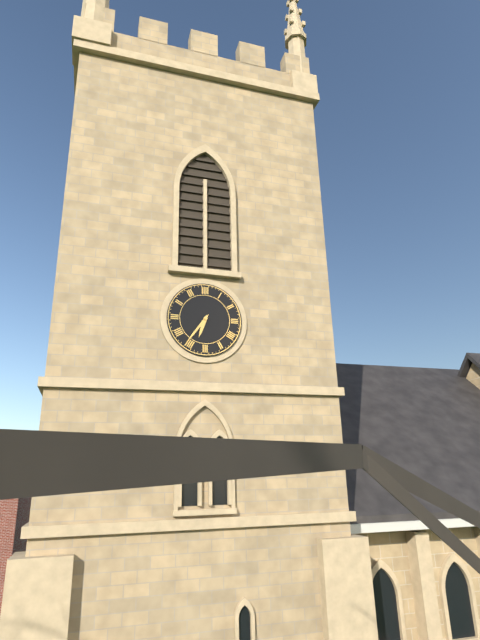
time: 6:36
